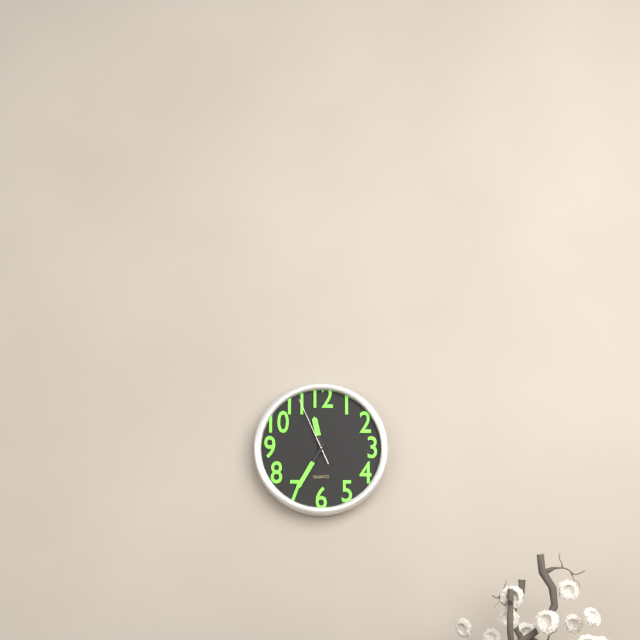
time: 11:35:56
